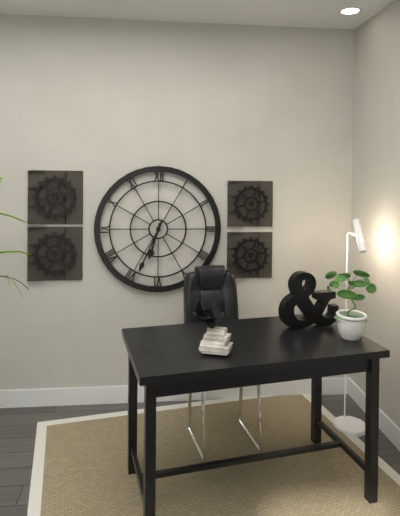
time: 6:34
